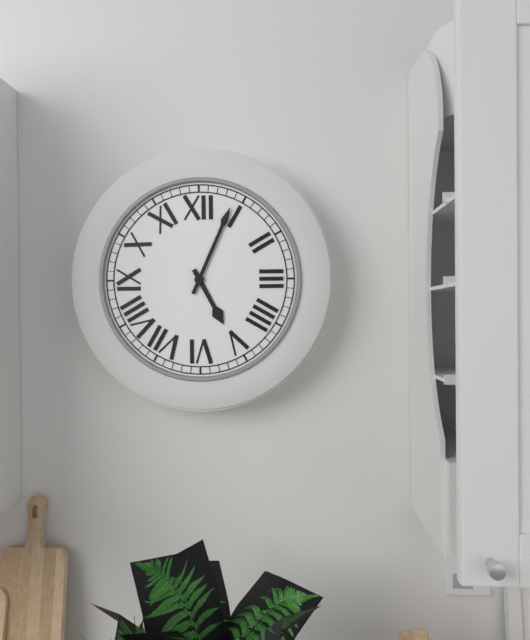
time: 5:04
